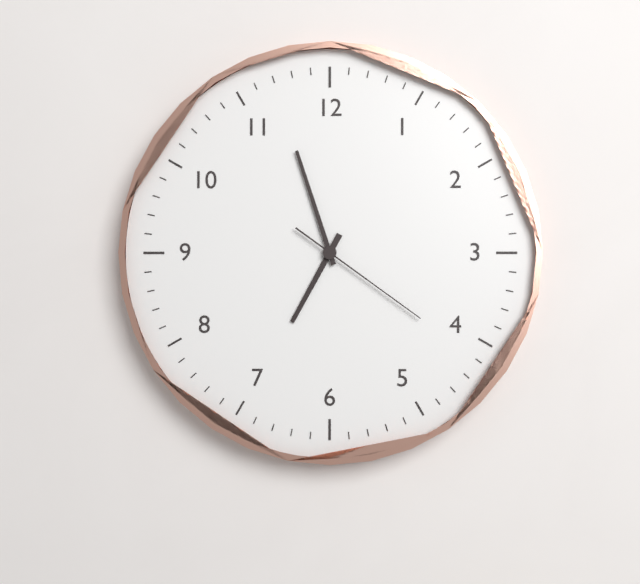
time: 6:57:21
